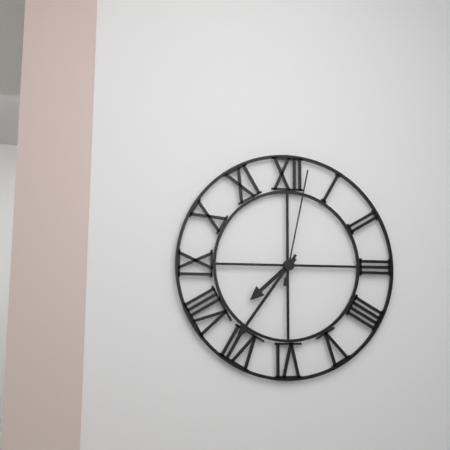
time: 7:36:02
